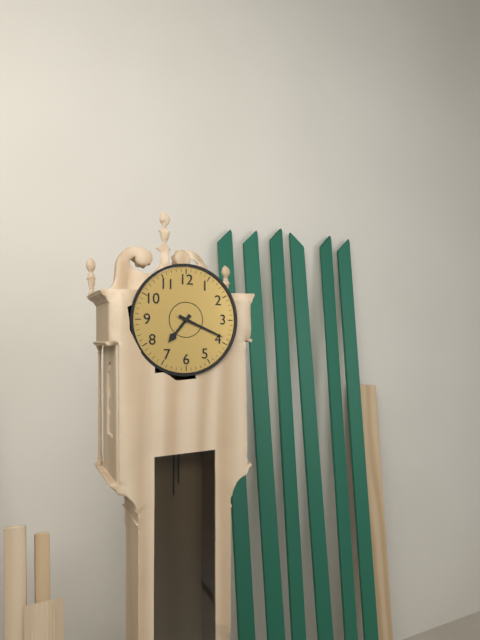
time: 7:19
